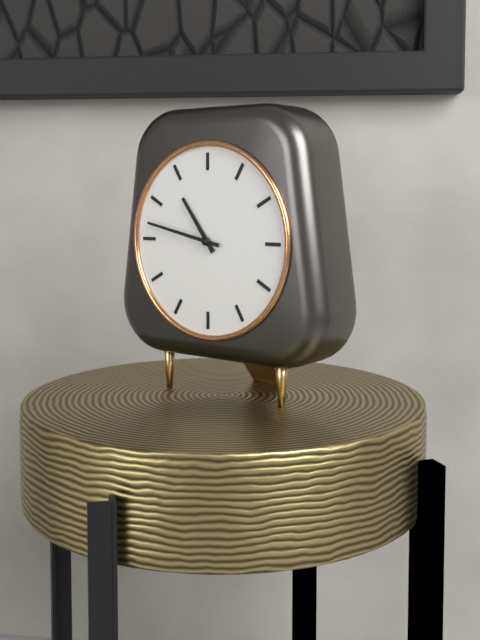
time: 10:47
